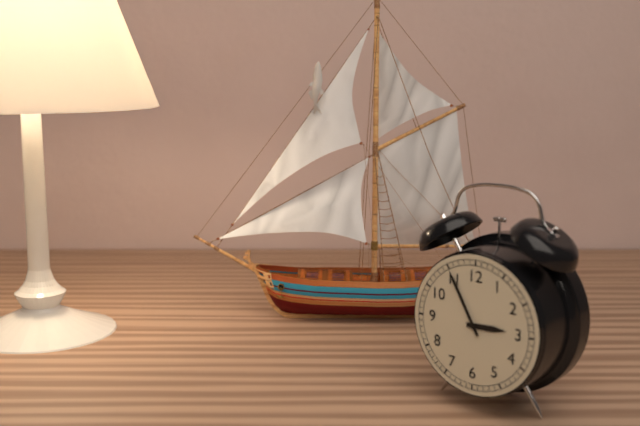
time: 2:55
